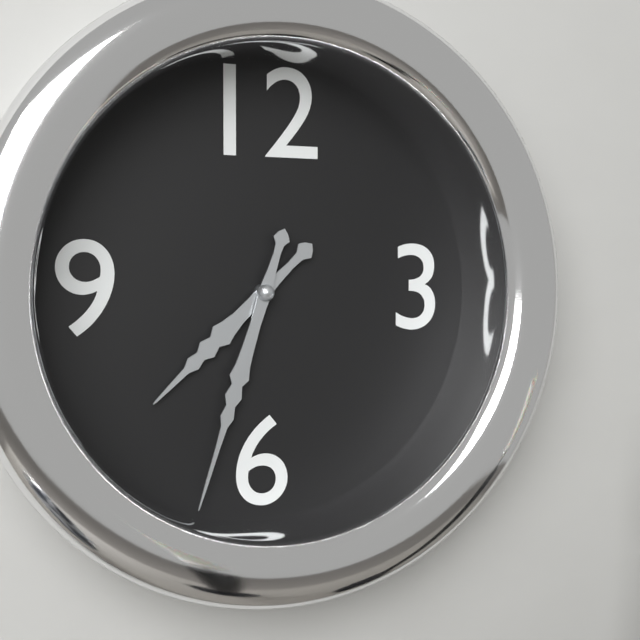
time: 7:33
